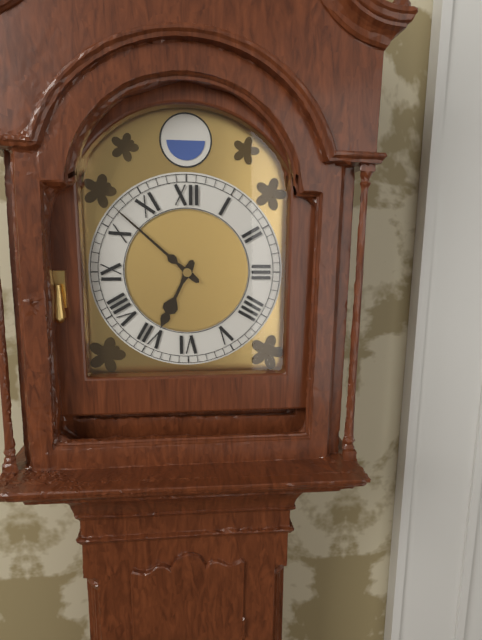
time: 6:52
